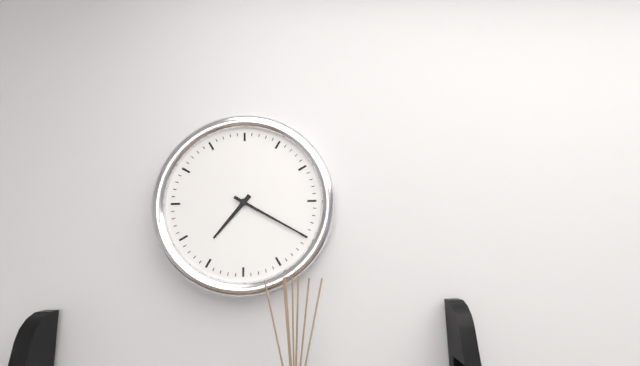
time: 7:20
